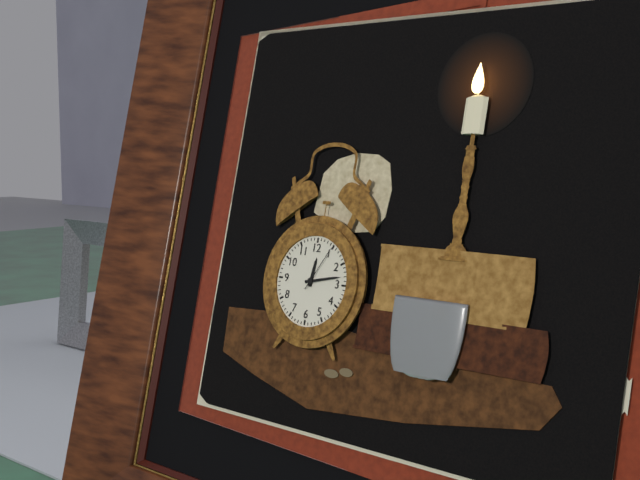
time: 12:13
